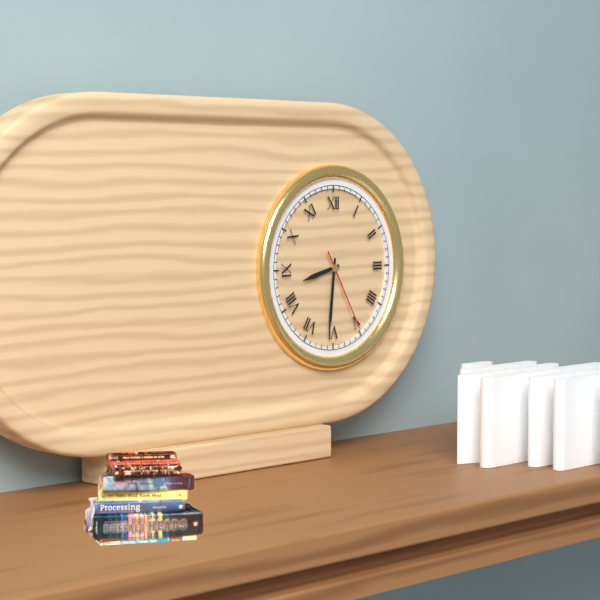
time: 8:31:25
